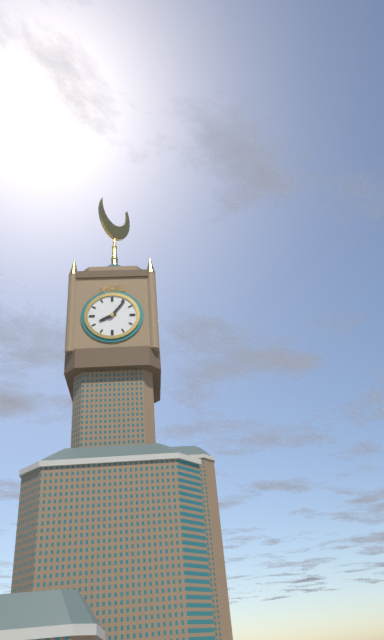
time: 8:06
